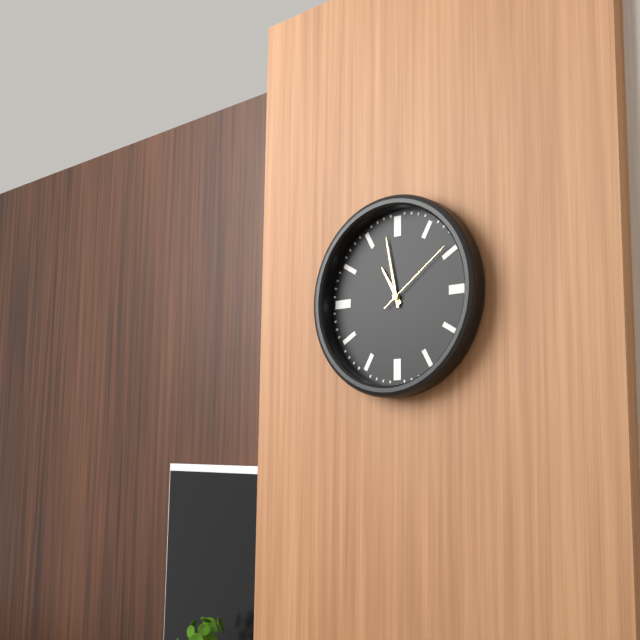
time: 10:58:09
